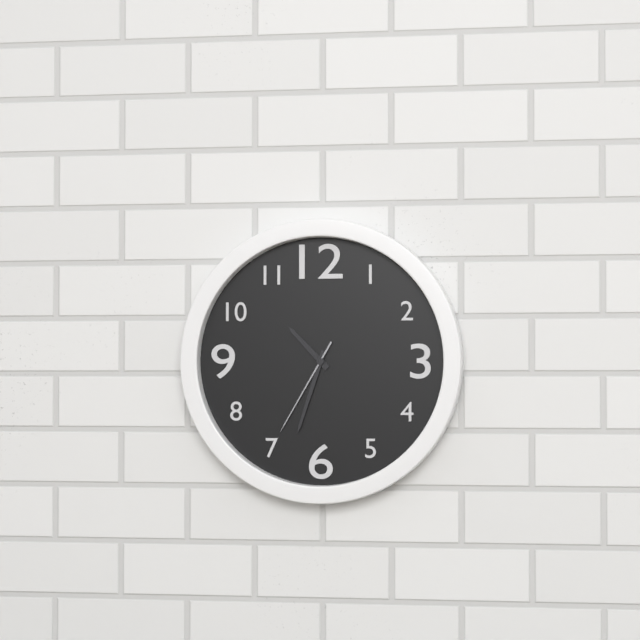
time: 10:33:35
